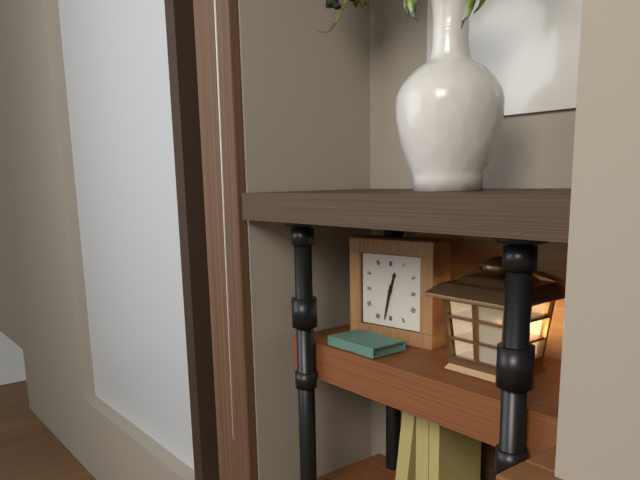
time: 12:32
